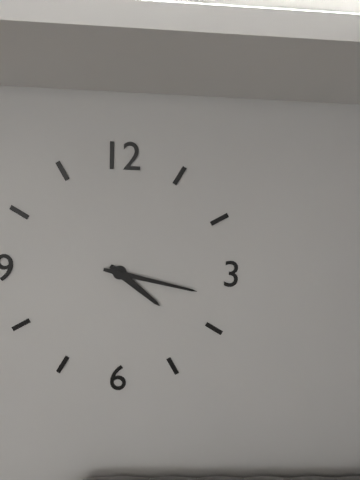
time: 4:17
